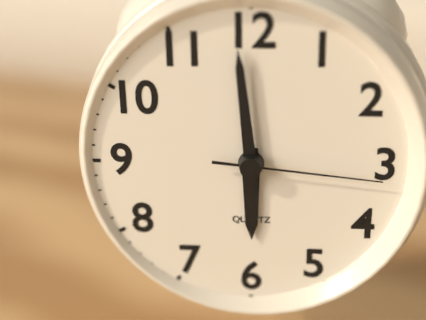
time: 5:59:16
